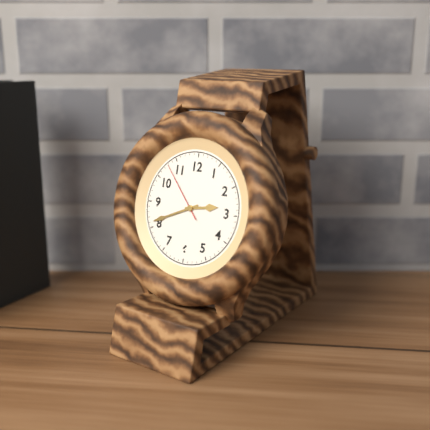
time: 2:41:53
